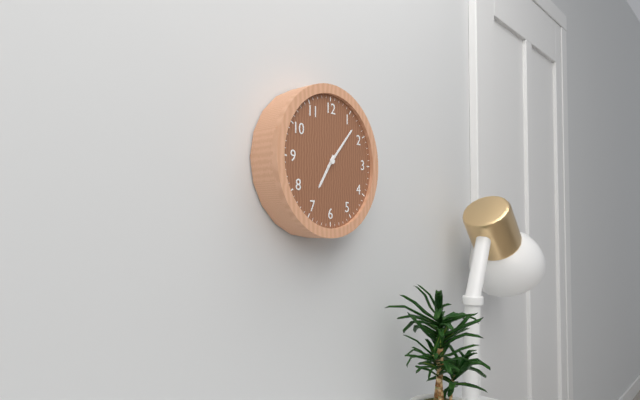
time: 7:07
